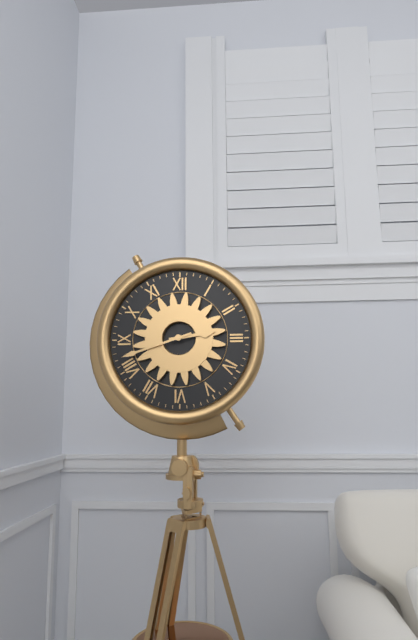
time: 2:42
